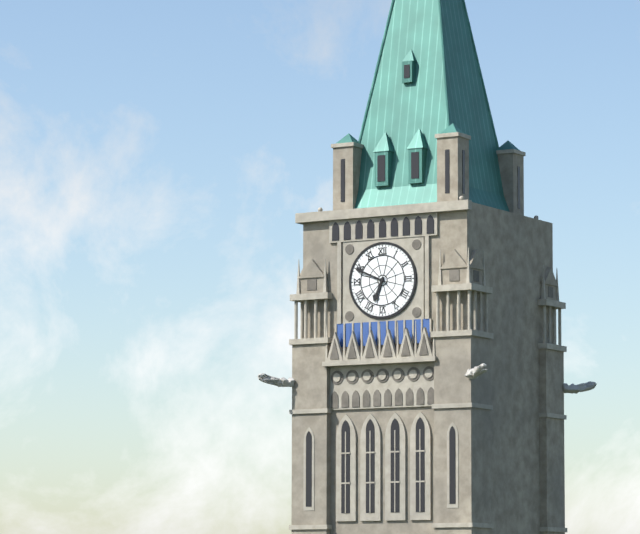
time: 6:49
